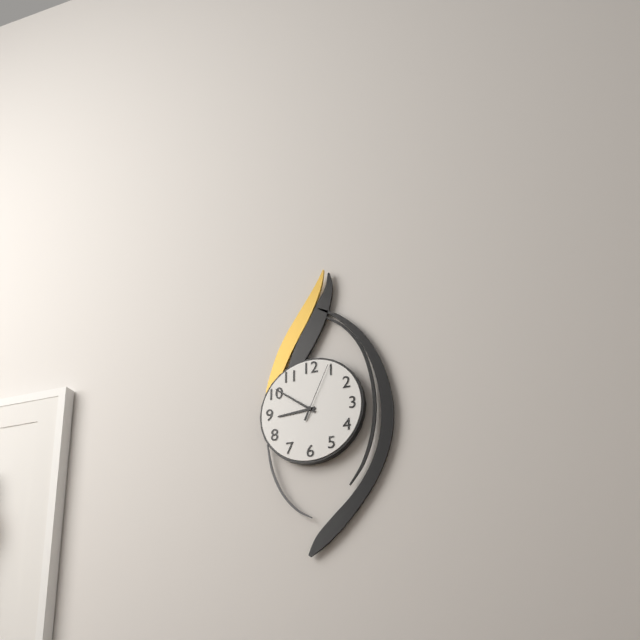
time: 8:51:04
